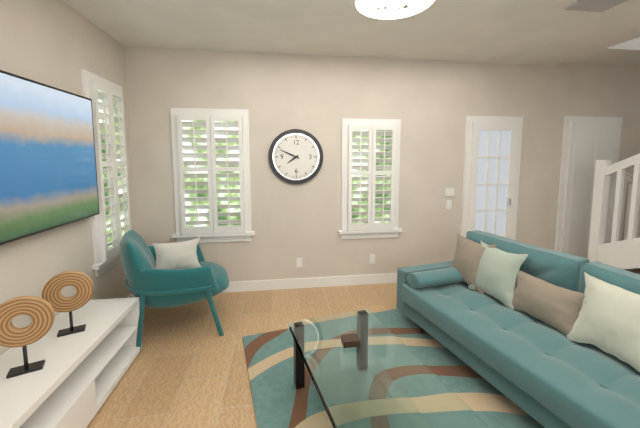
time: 7:49
